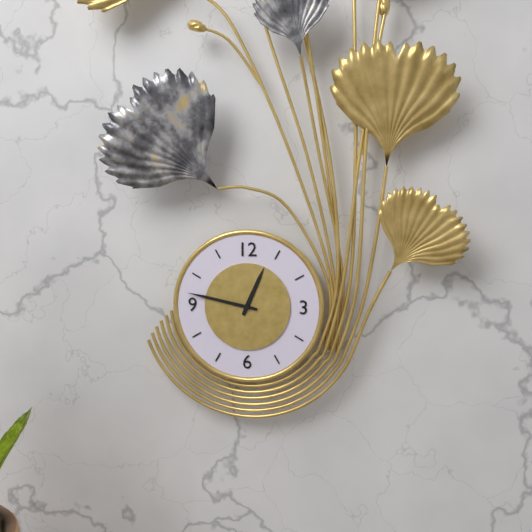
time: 12:47
